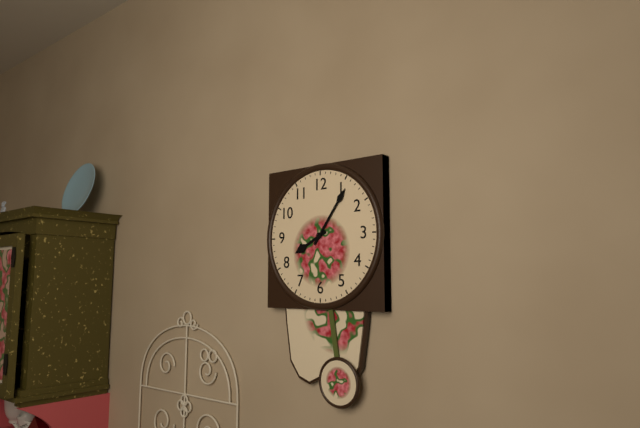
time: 8:06
